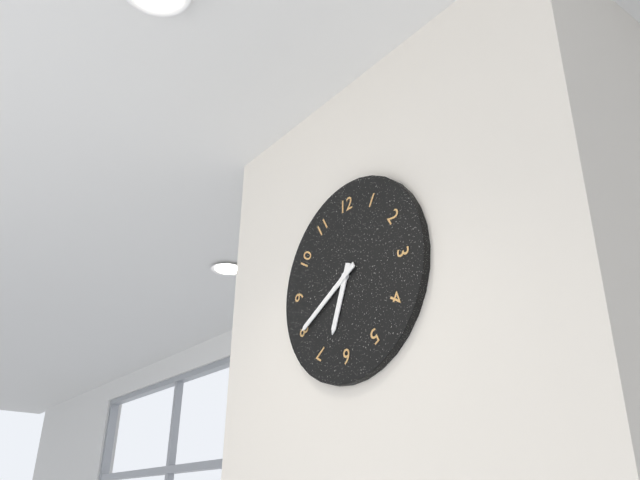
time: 6:40
